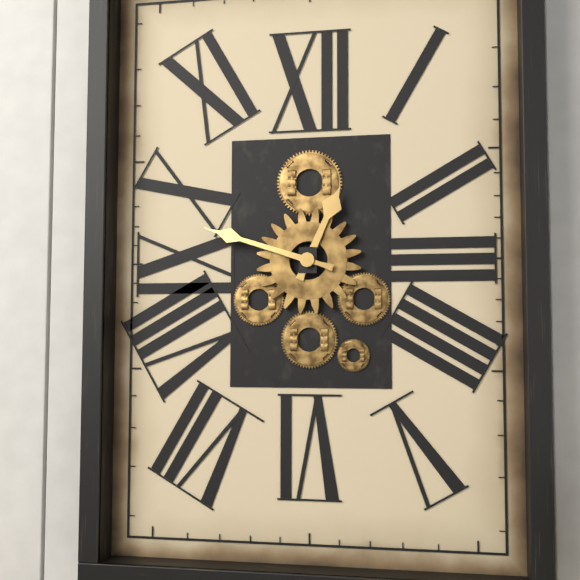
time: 12:48
